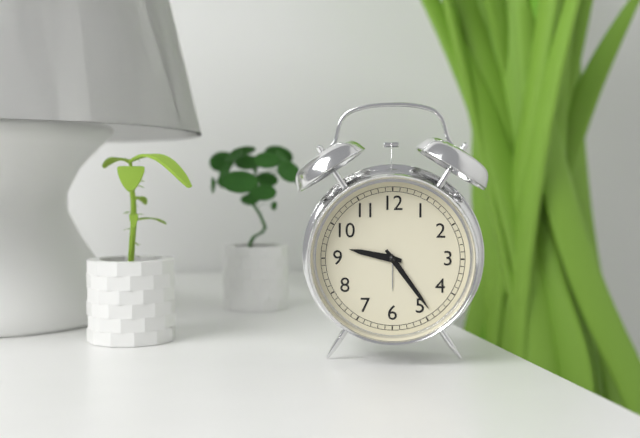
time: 9:24
